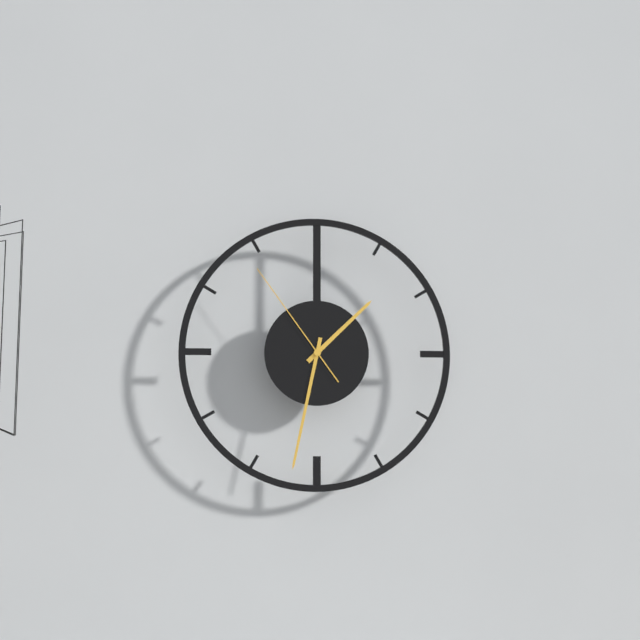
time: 1:32:54
